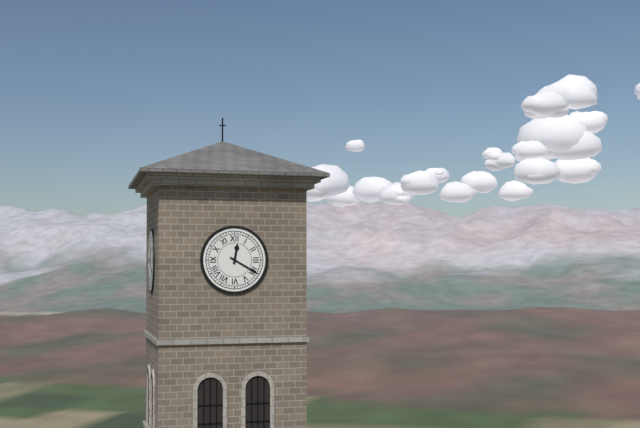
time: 12:20
